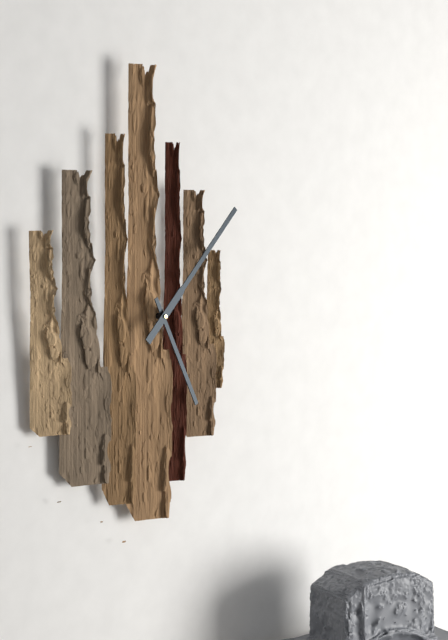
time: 5:07
